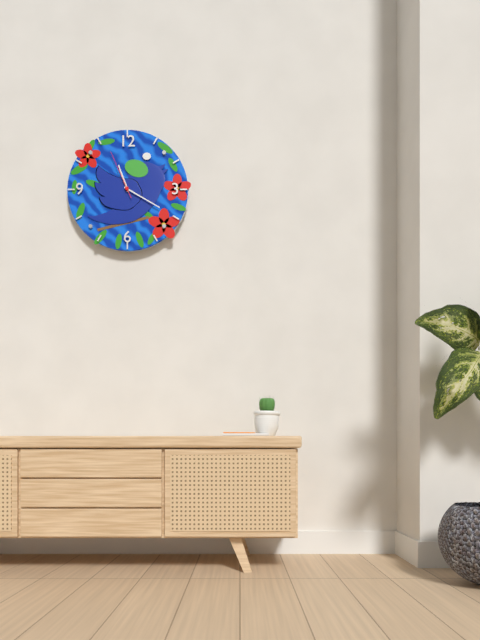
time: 11:20:56
